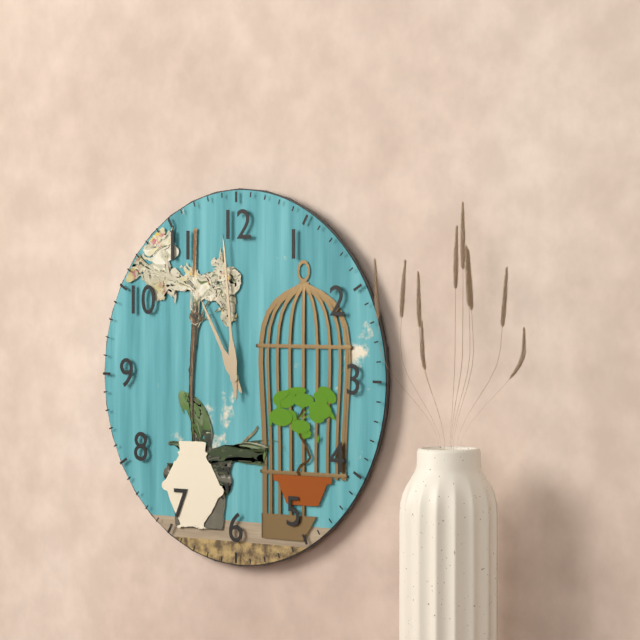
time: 10:59
